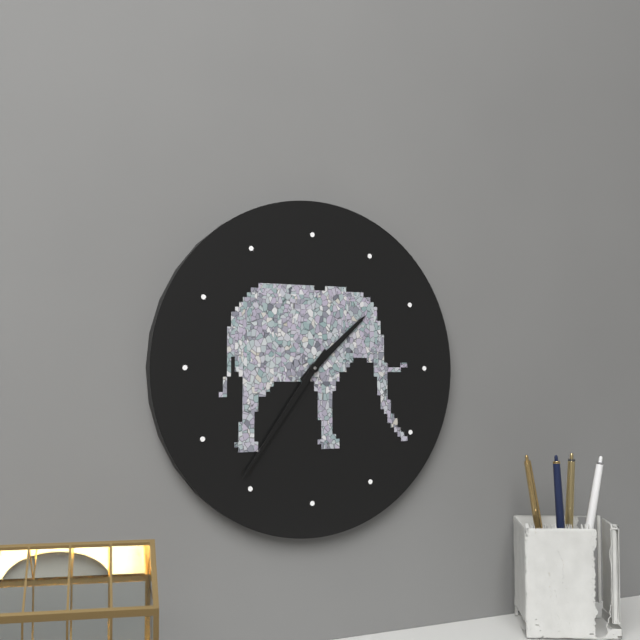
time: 1:36
